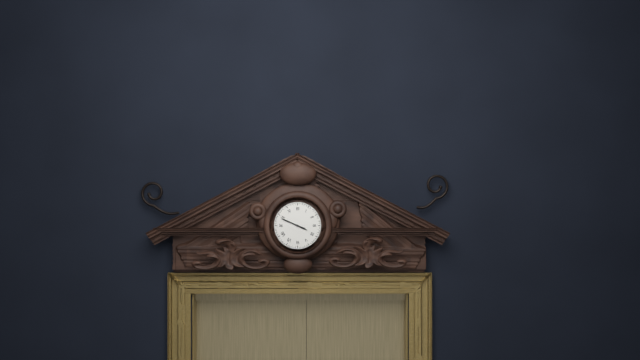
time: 3:49
